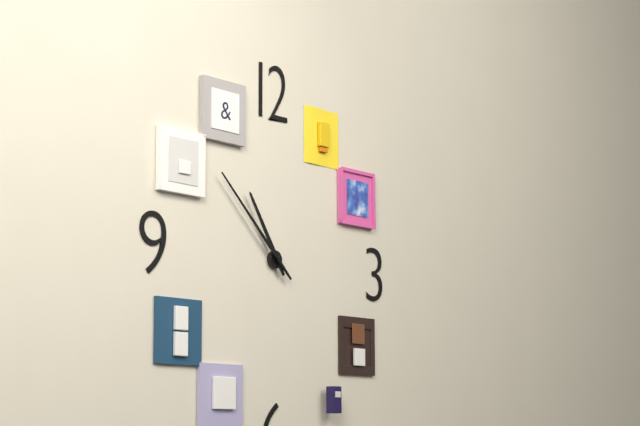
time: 10:52
